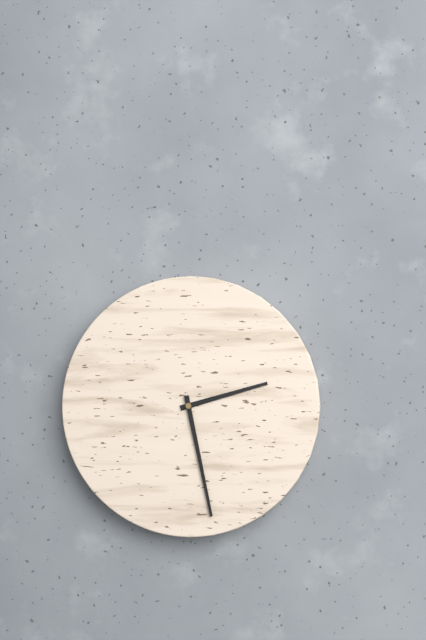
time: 2:28
